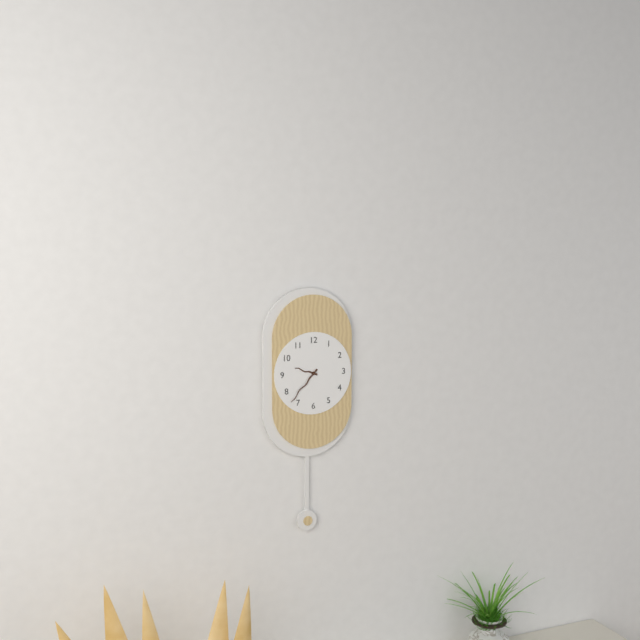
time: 9:37
